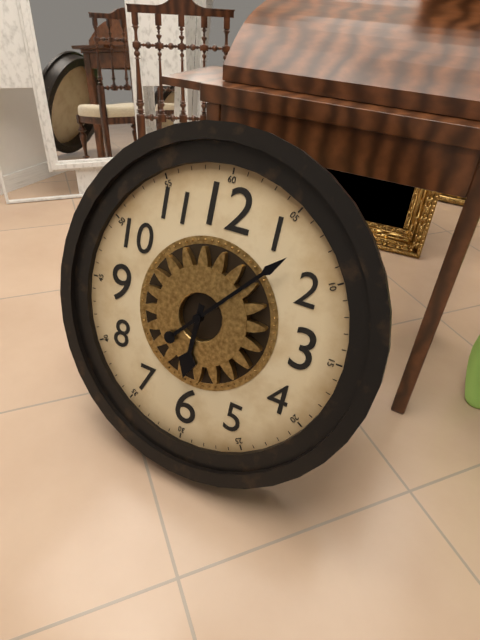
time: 6:07
